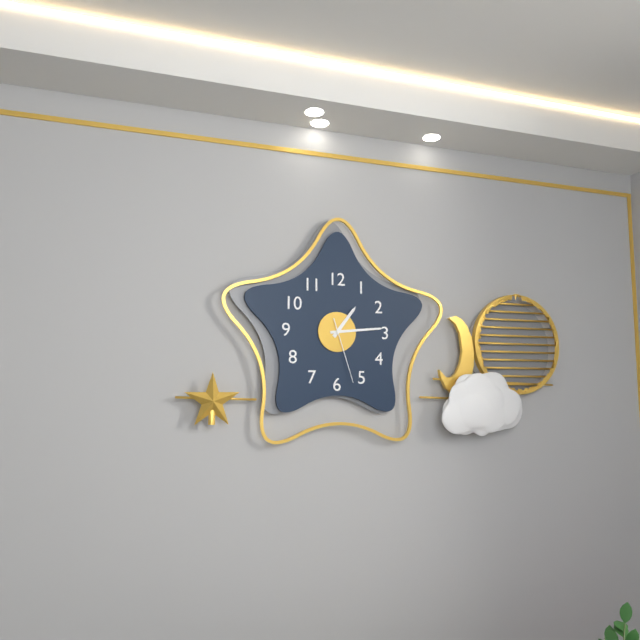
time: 1:14:27
